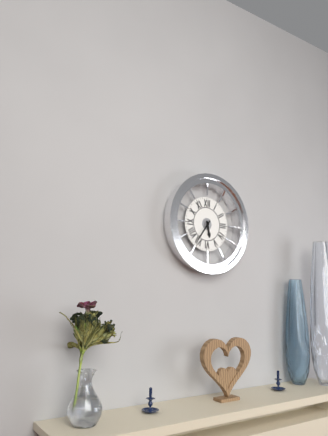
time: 5:36
